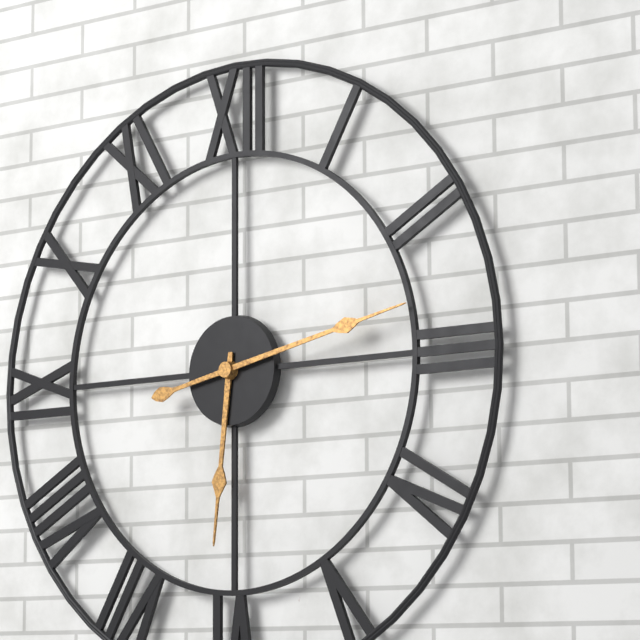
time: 6:13
